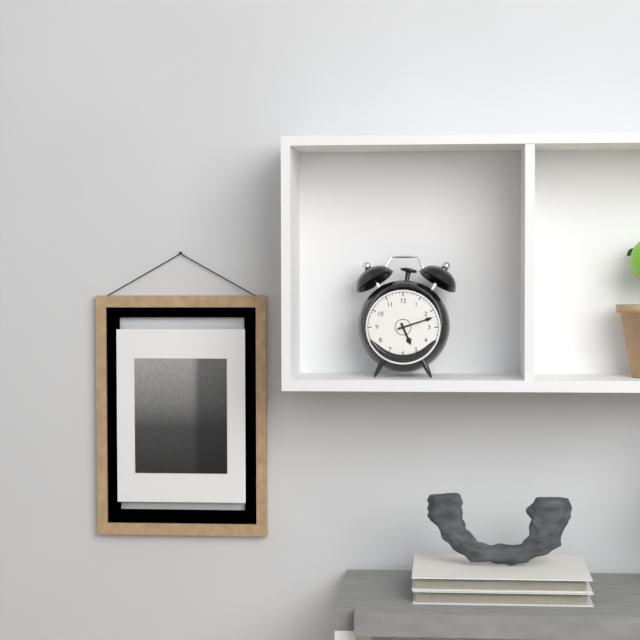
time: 5:12
